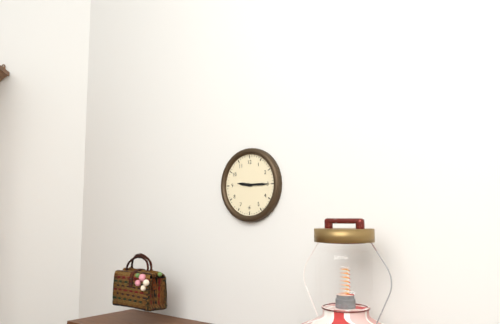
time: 9:15
